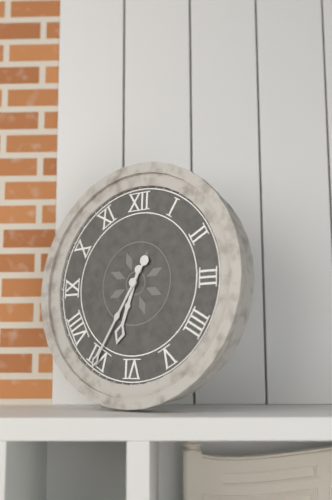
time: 6:35
